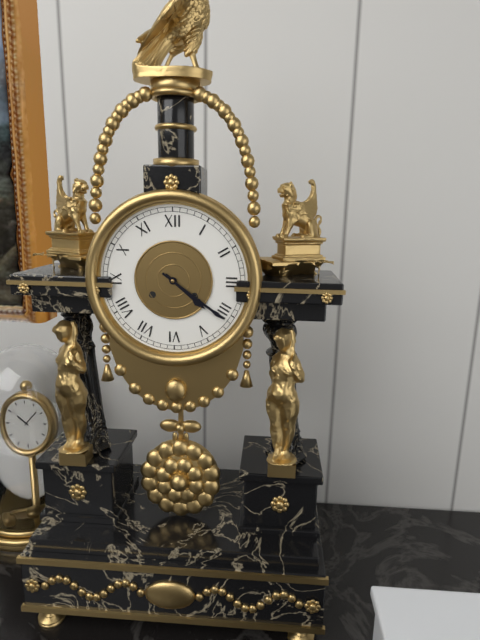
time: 4:21
